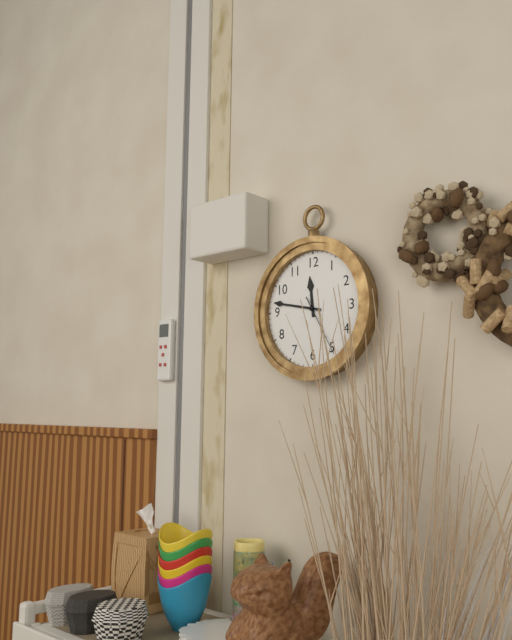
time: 11:47:25
